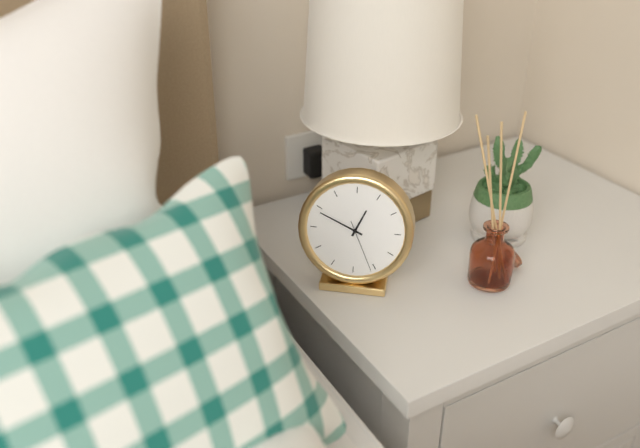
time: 12:49:26
